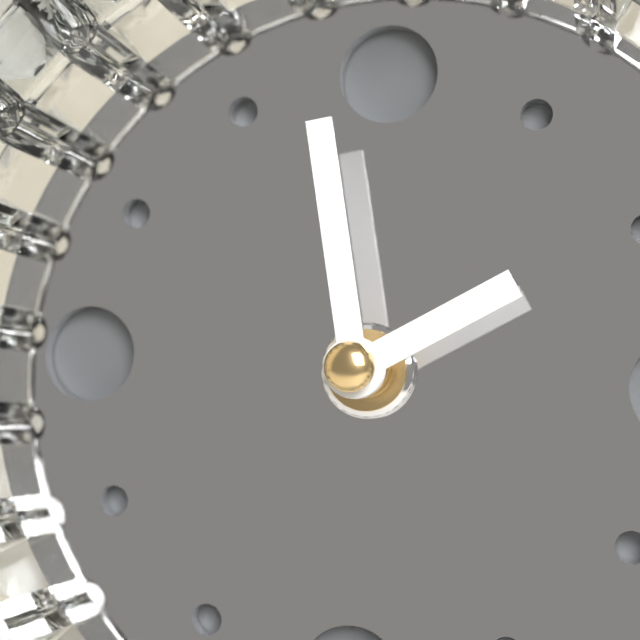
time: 1:58
